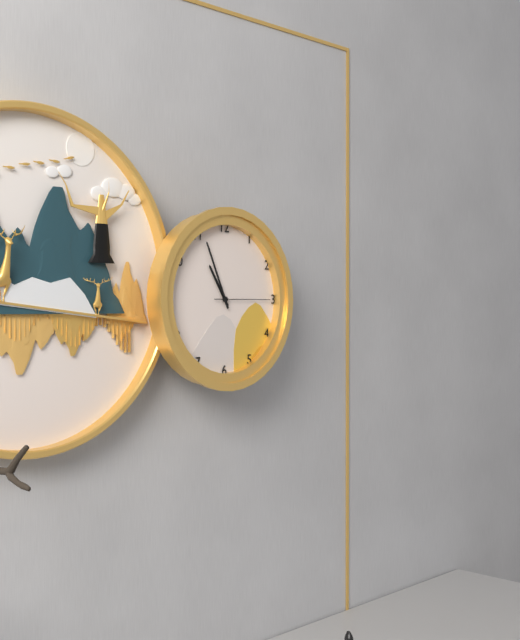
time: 10:56:15
